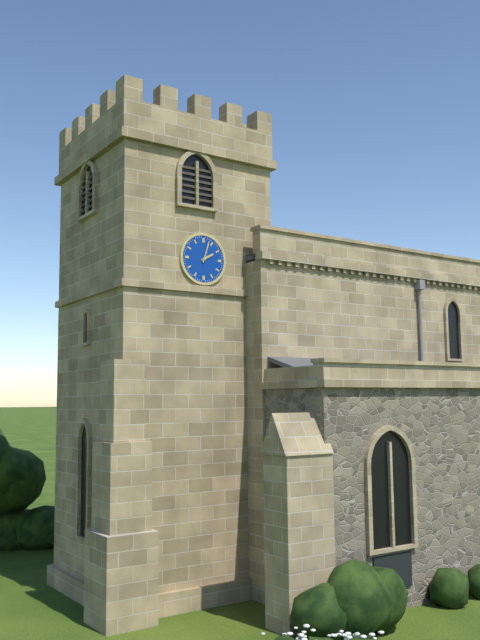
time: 2:03
